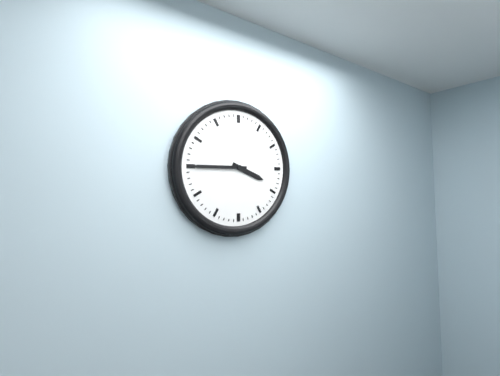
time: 3:45
